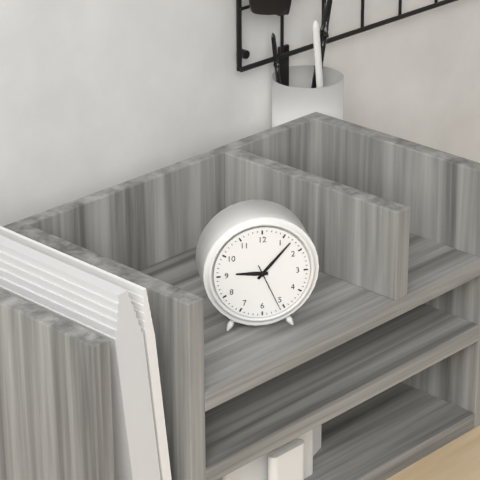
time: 9:07
